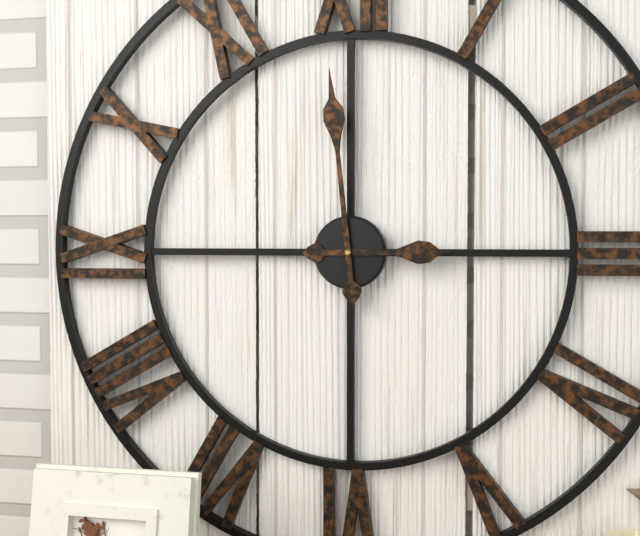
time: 2:59
